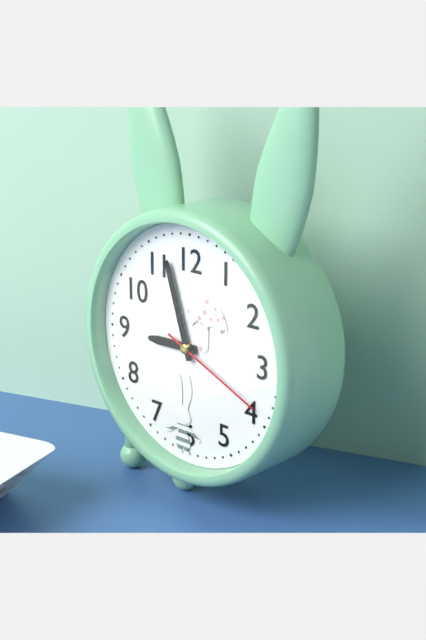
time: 8:57:19
